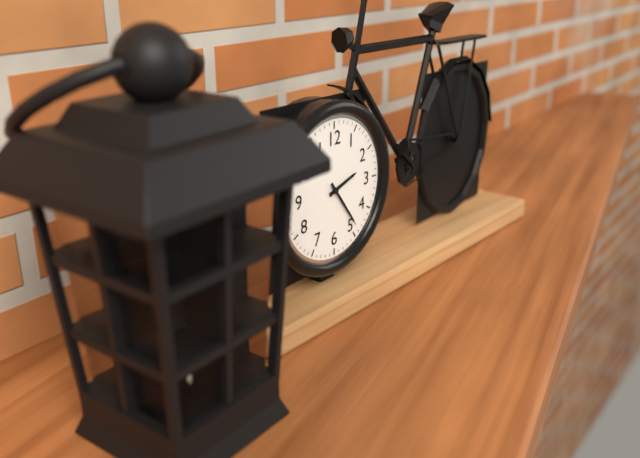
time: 2:24
